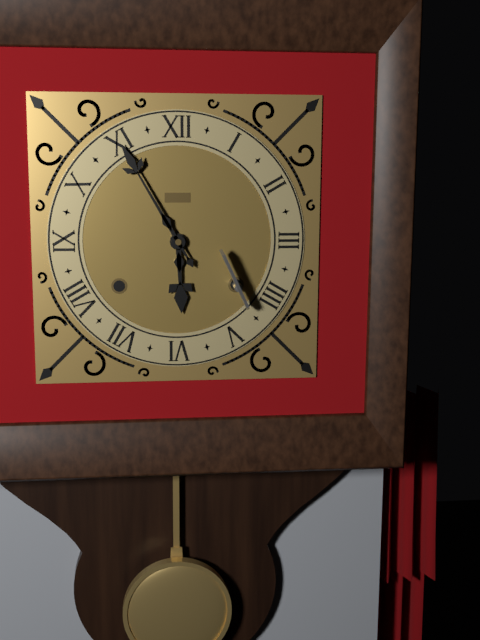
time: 5:55
